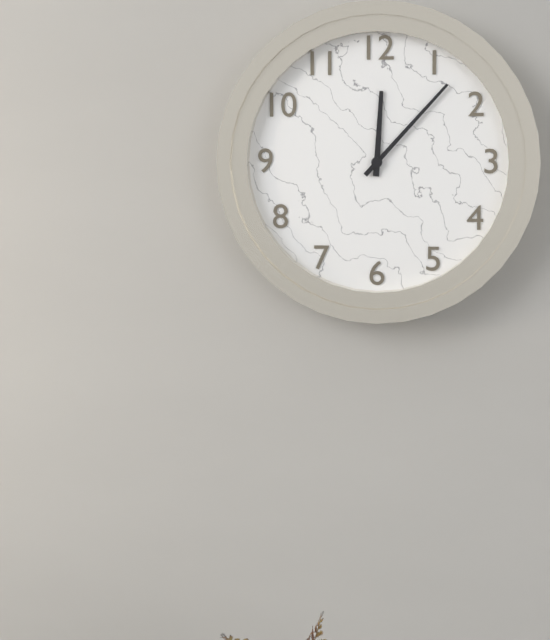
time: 12:07
